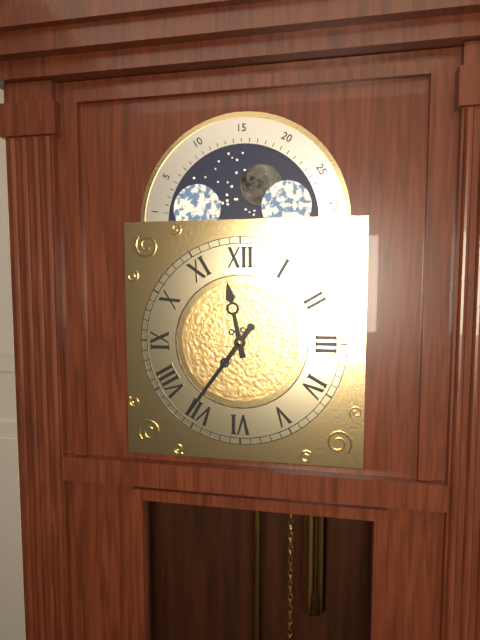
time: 11:36
